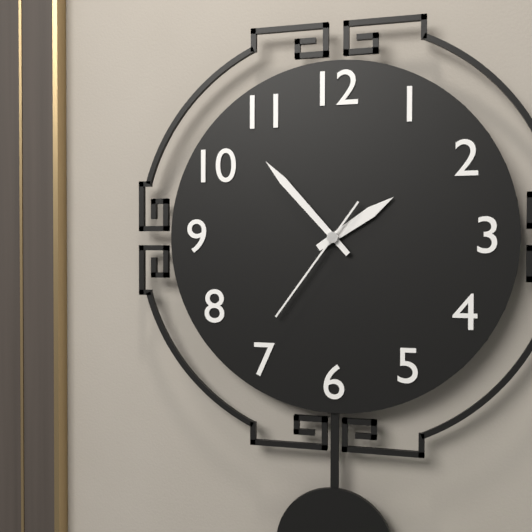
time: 1:53:36
